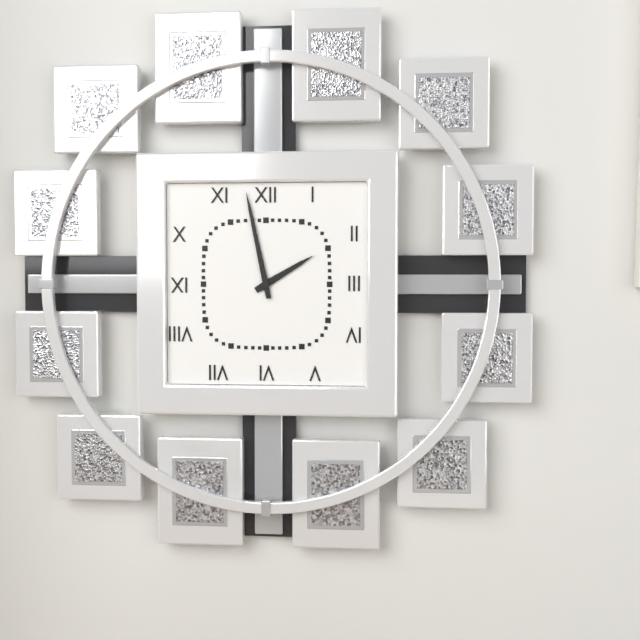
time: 1:58
